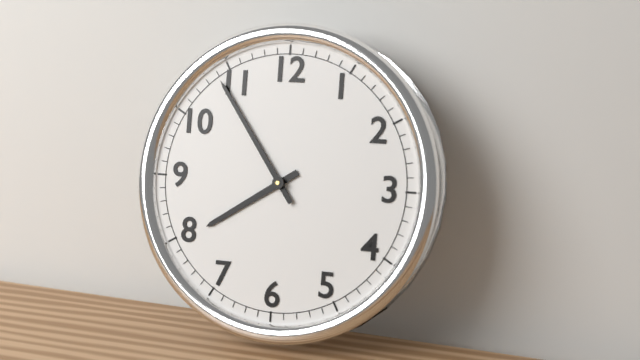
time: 7:54
